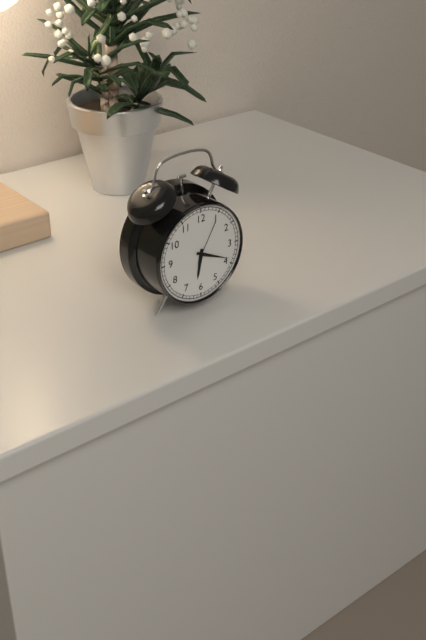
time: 6:19
